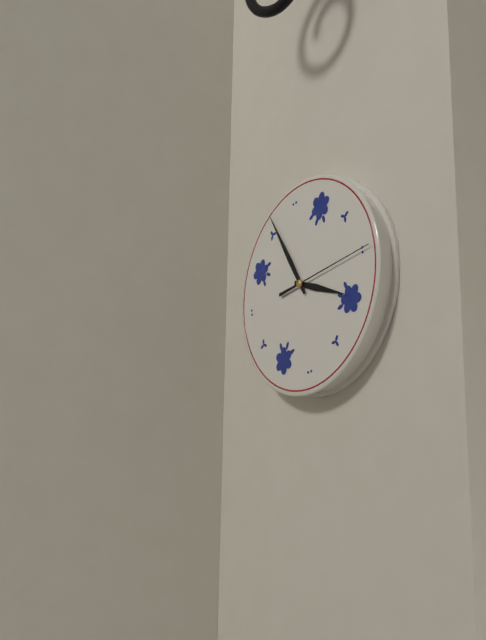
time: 3:56:15
